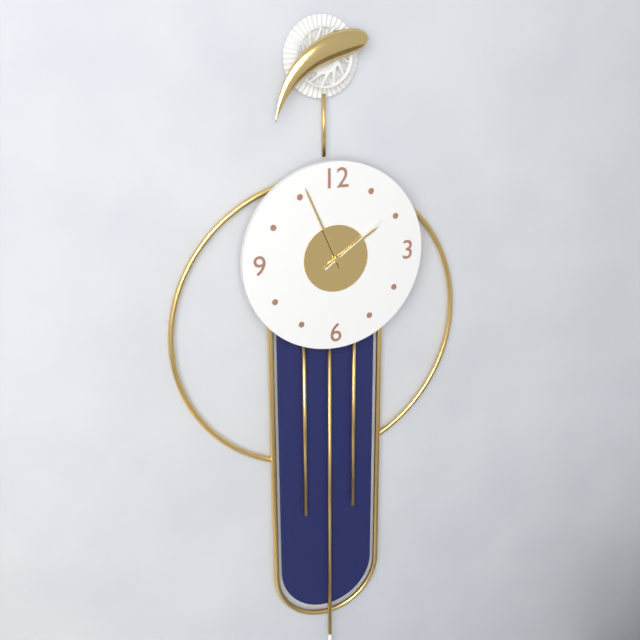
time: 1:56:09
